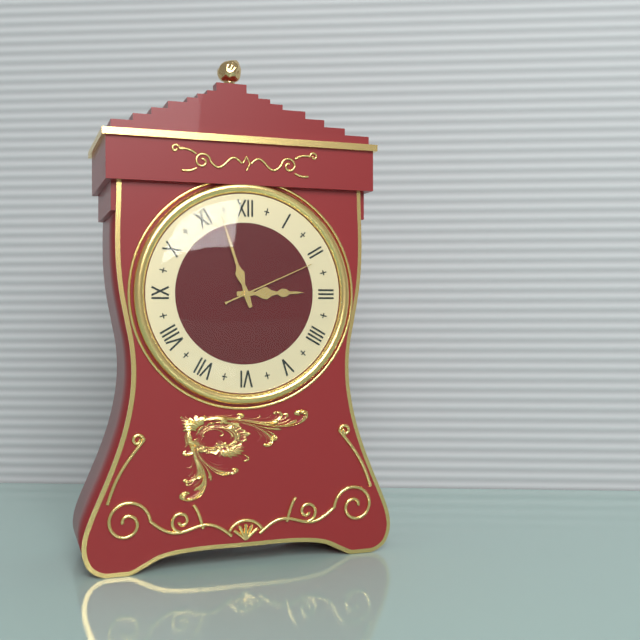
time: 2:57:11
